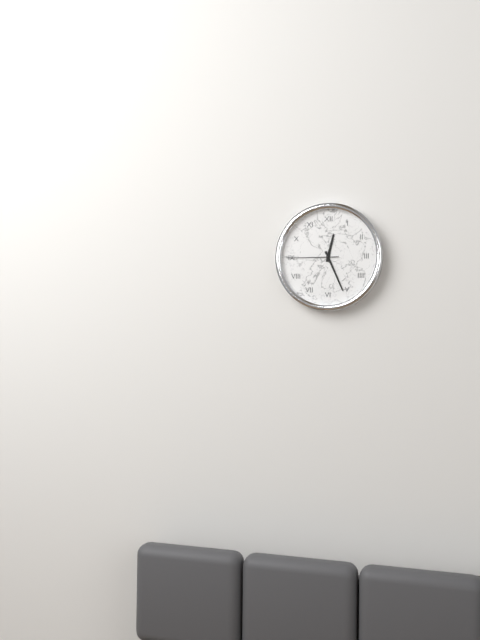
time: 12:26:45
